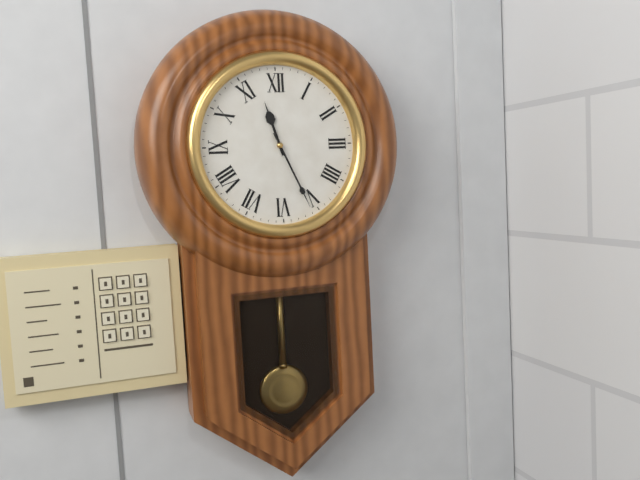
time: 11:26
